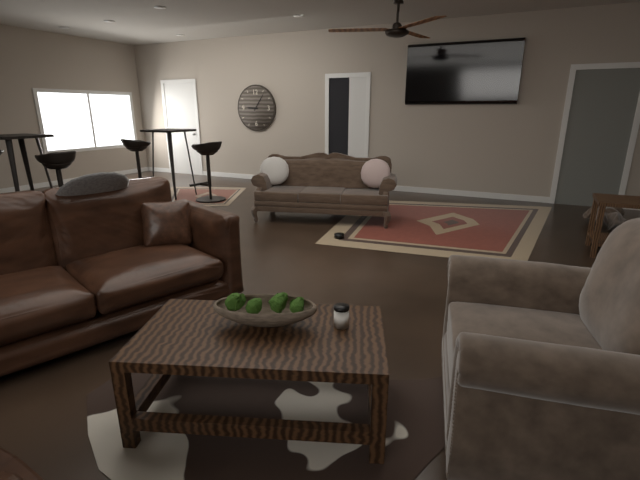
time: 9:06
